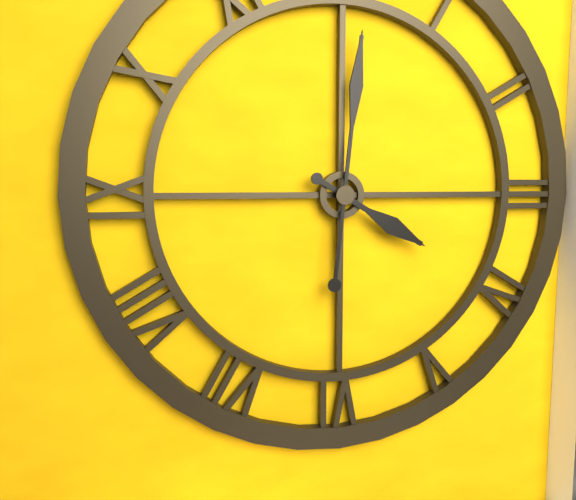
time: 4:01
